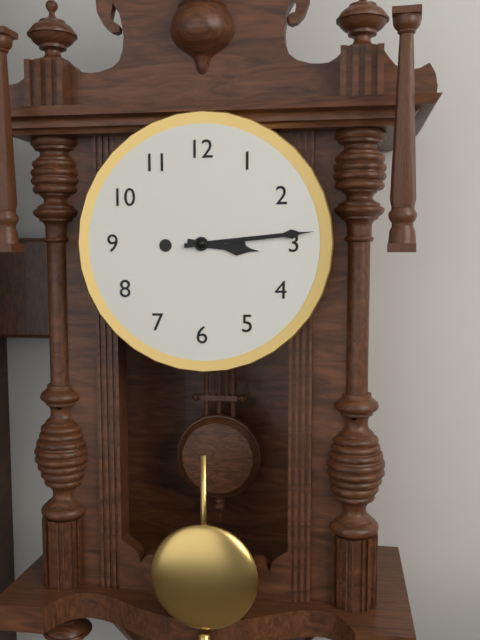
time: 3:14
